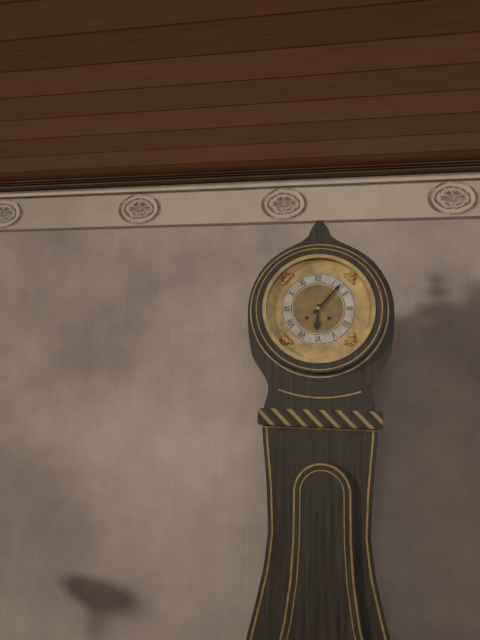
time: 6:07
